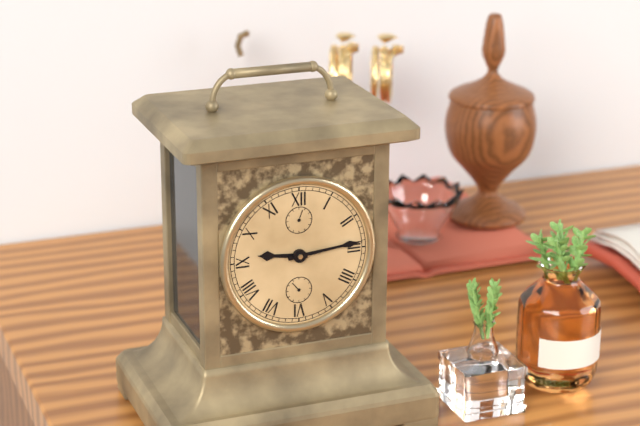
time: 9:14
